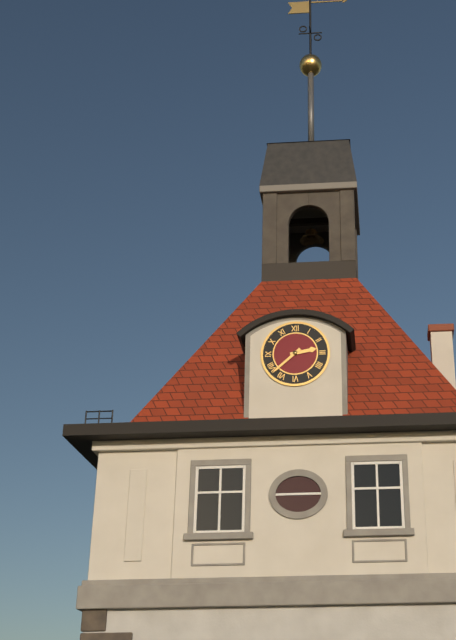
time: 2:38
